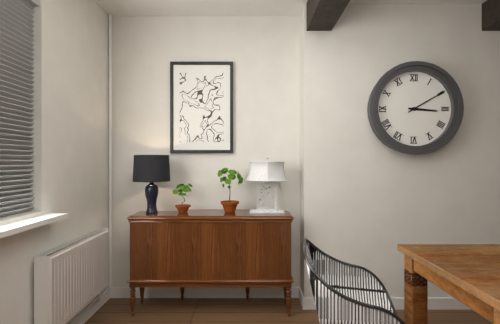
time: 3:10
